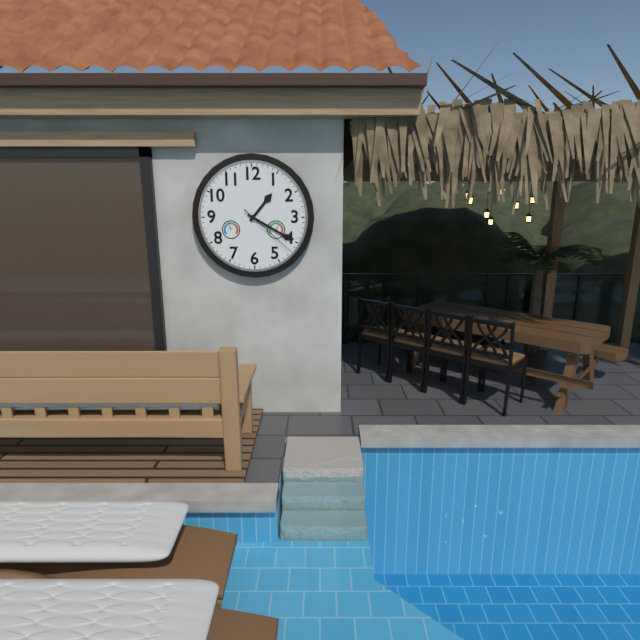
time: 1:20:22
